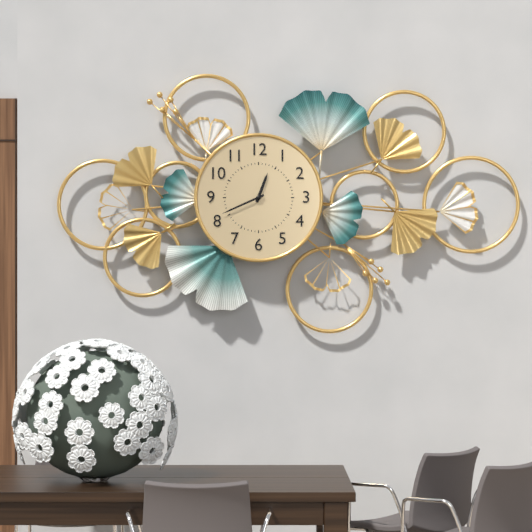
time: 12:41
